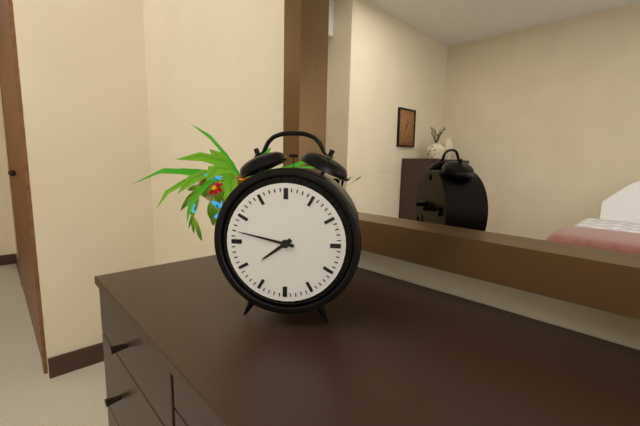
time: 7:47
